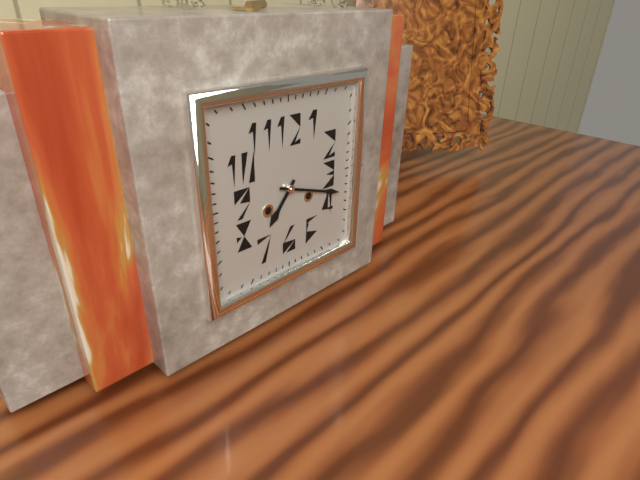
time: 7:18
